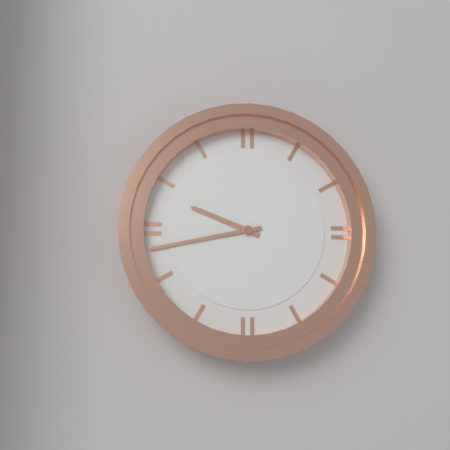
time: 9:43
